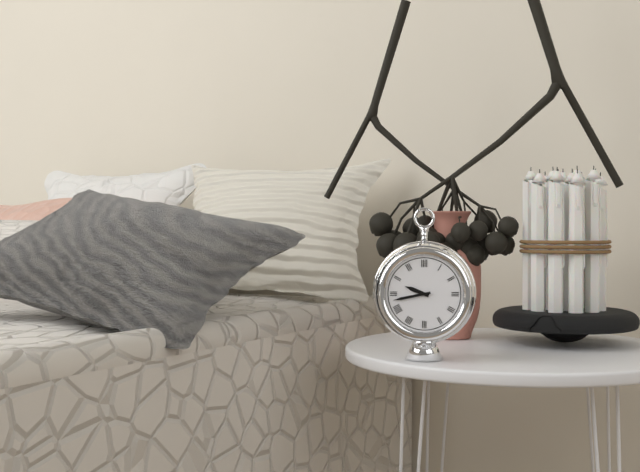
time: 9:43
